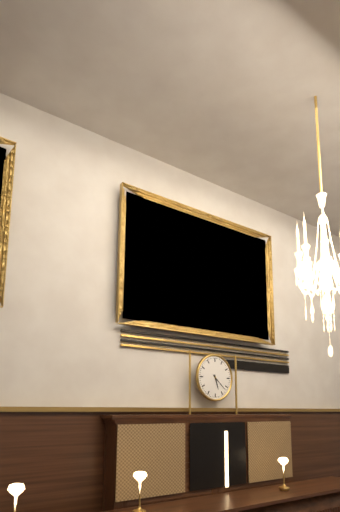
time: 5:22
